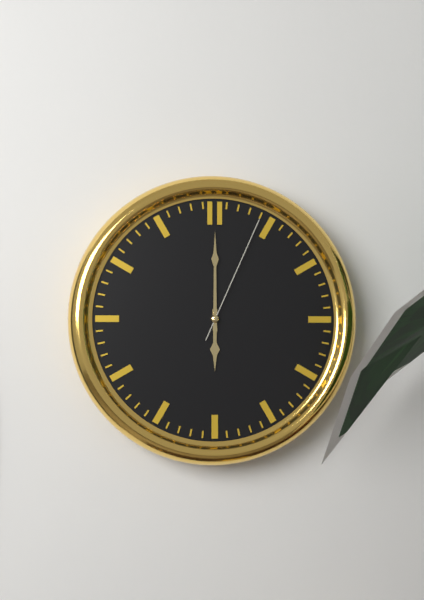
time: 6:00:04
